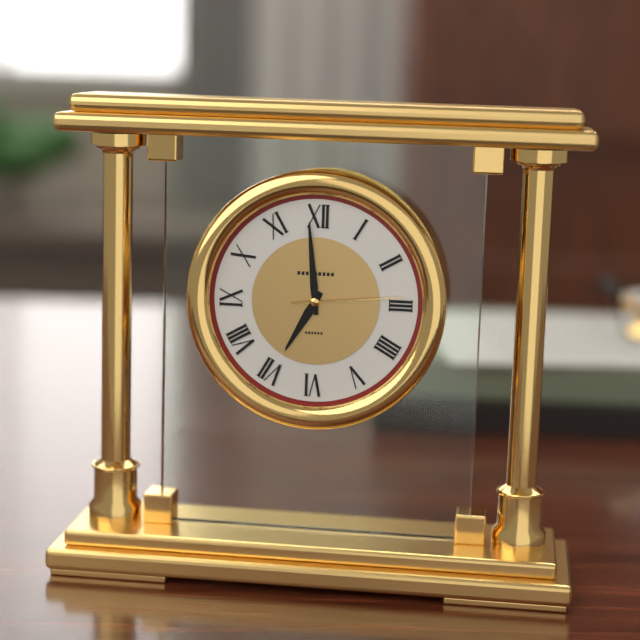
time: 6:59:14
